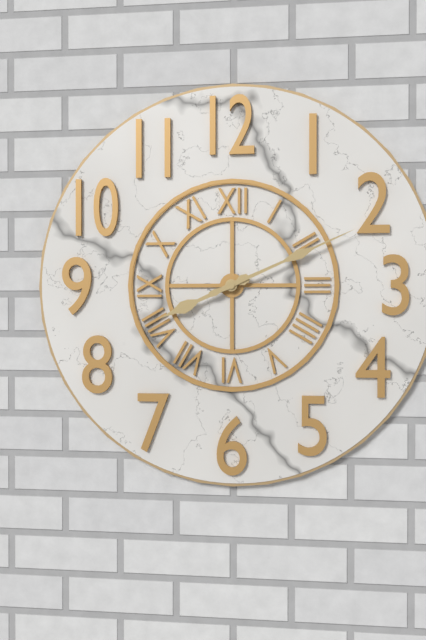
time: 8:11
